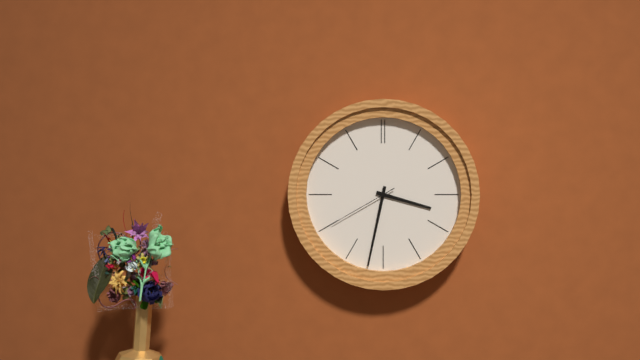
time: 3:32:40
